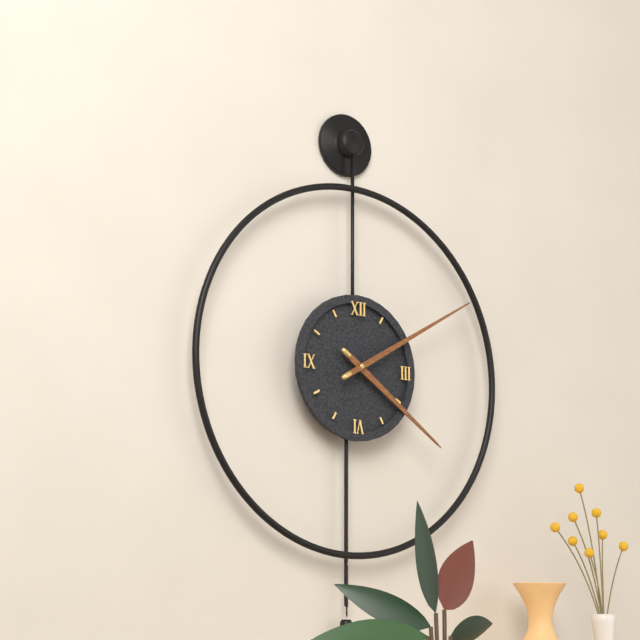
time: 4:10
